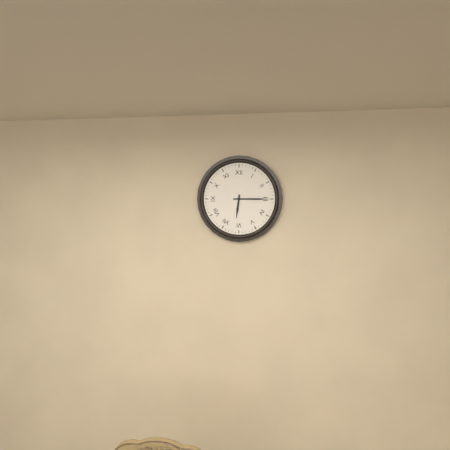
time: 6:15
